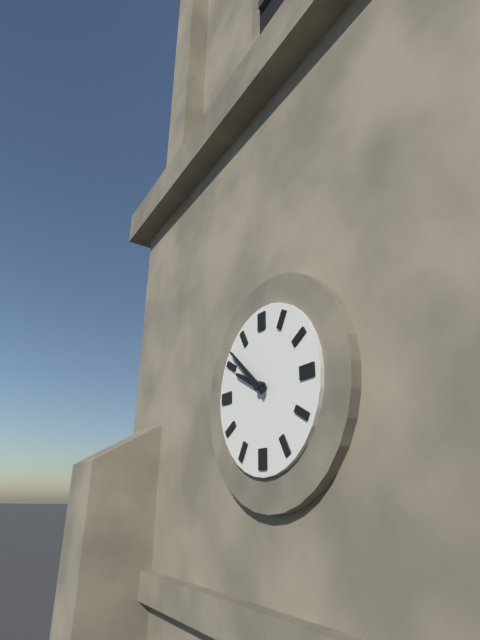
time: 9:52
